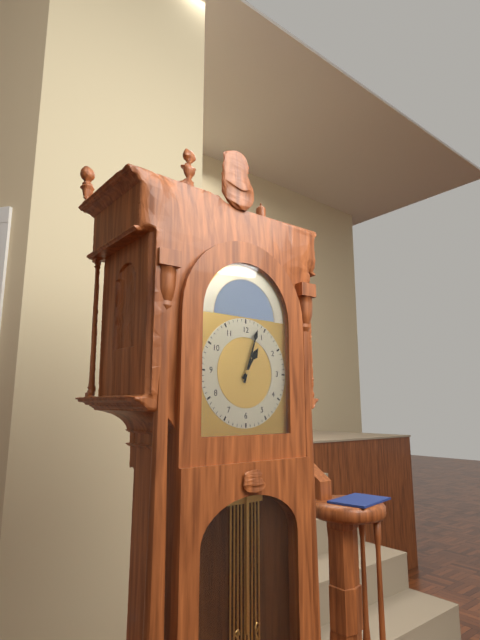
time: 1:03
